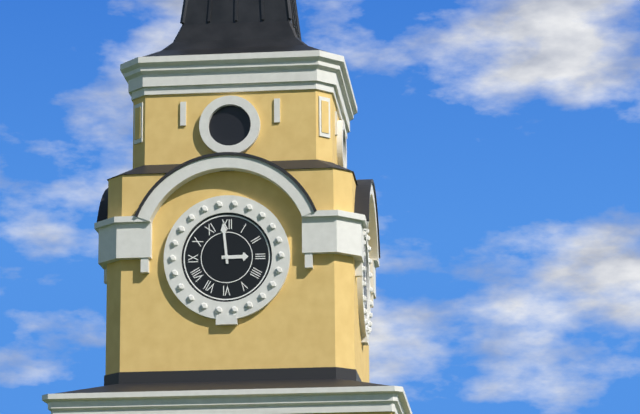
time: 2:59
